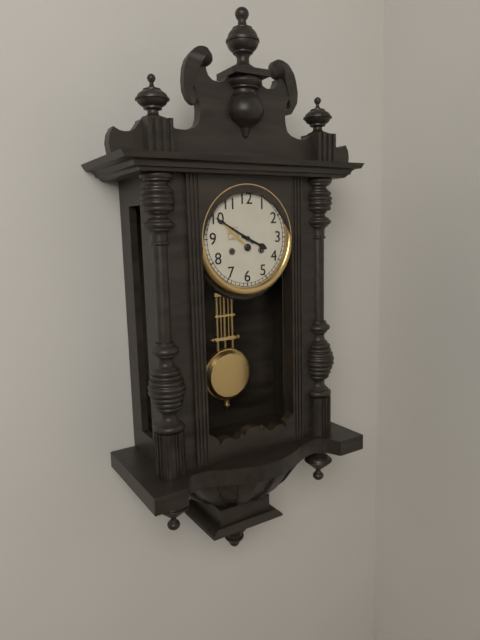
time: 3:50
